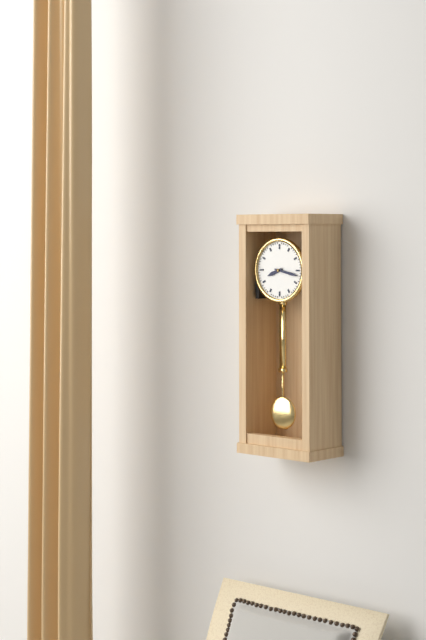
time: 8:17
